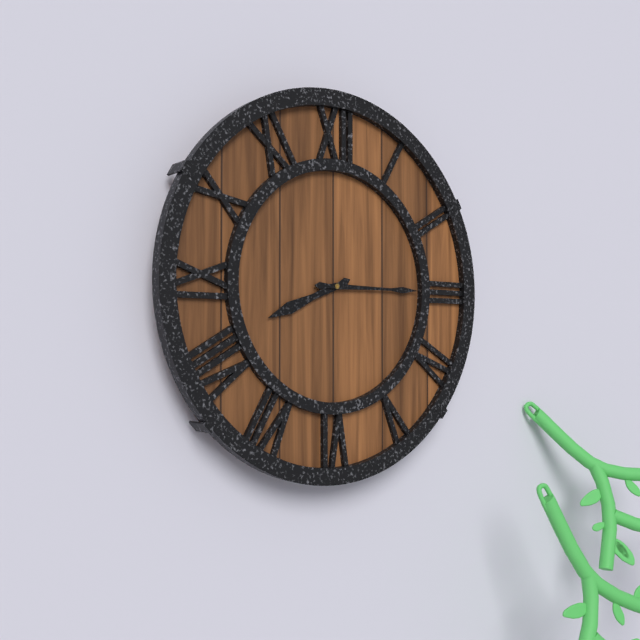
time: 8:15
